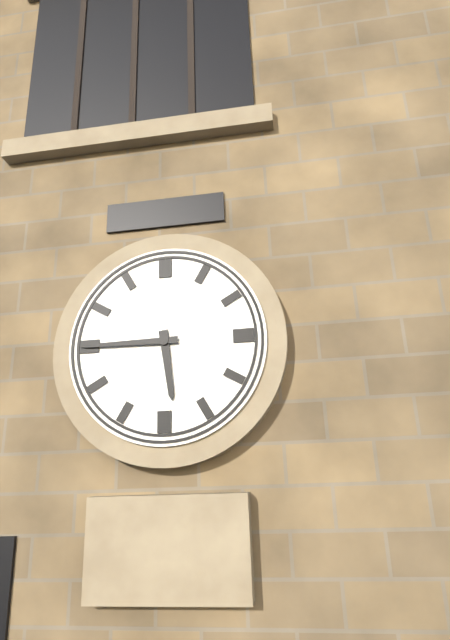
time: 5:45
